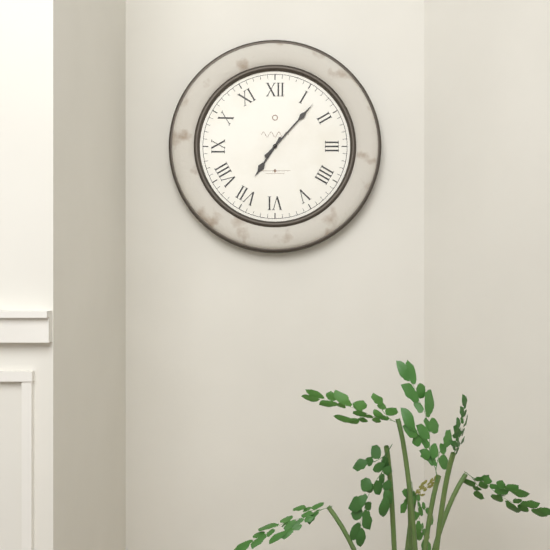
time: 7:07
